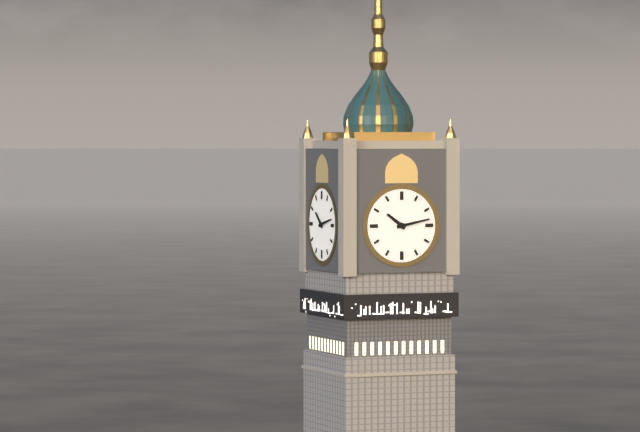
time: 10:13
